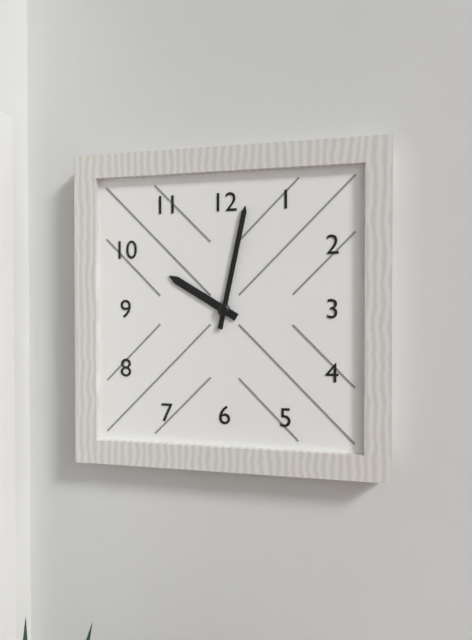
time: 10:02
